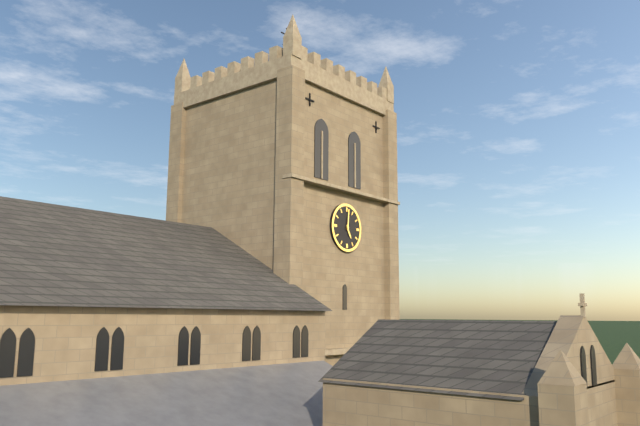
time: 5:01
